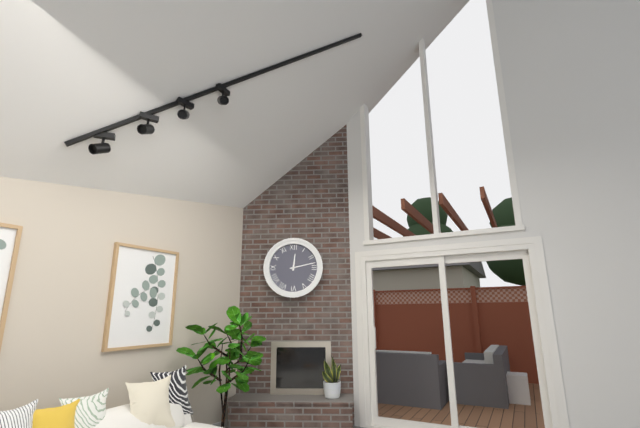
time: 12:13
